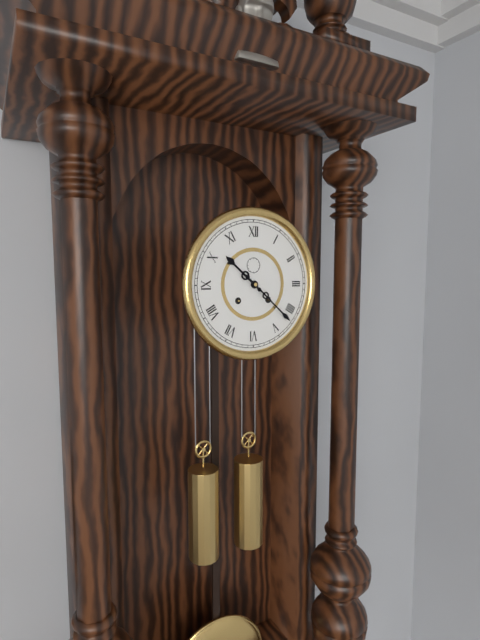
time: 10:22
